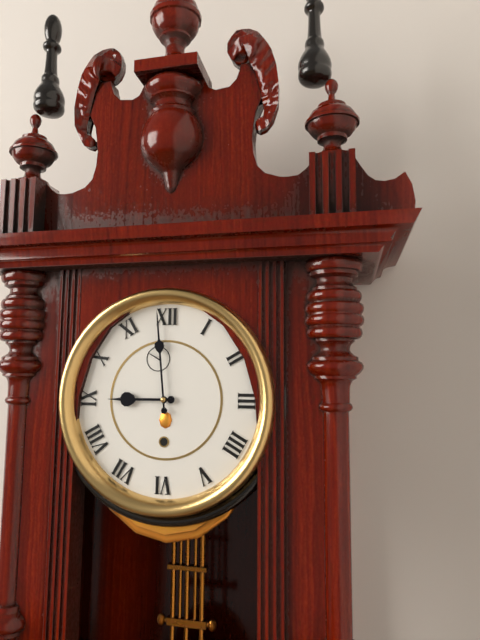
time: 8:59
